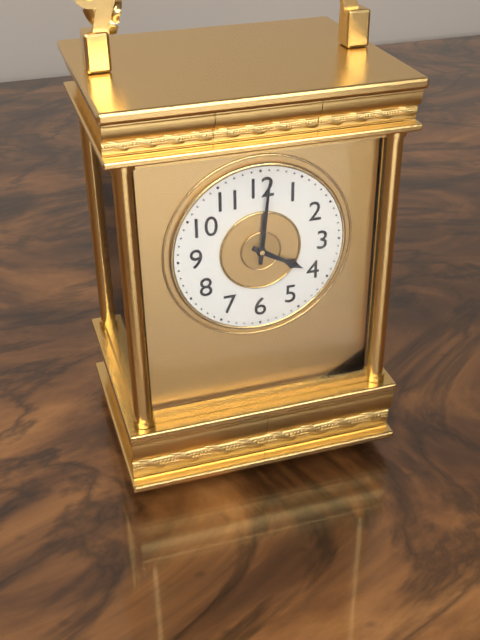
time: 4:01
